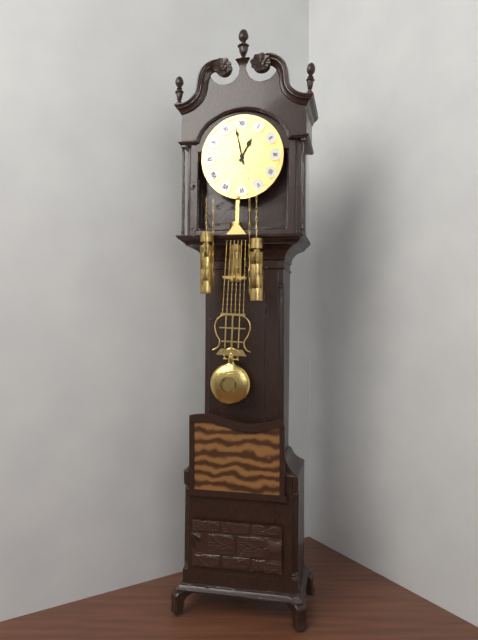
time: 12:58
